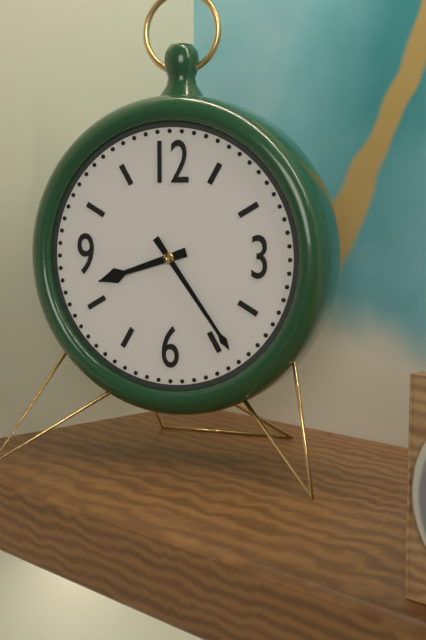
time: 8:24
